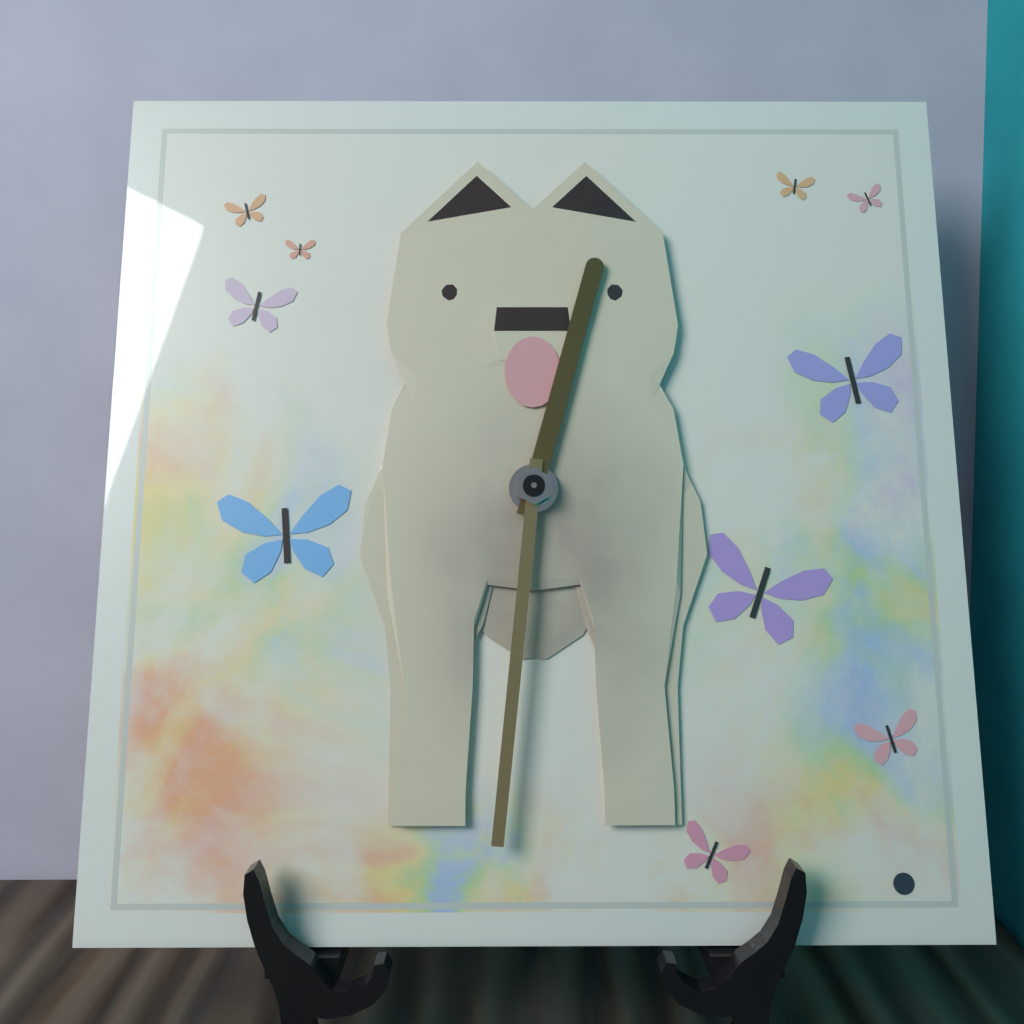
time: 12:31
